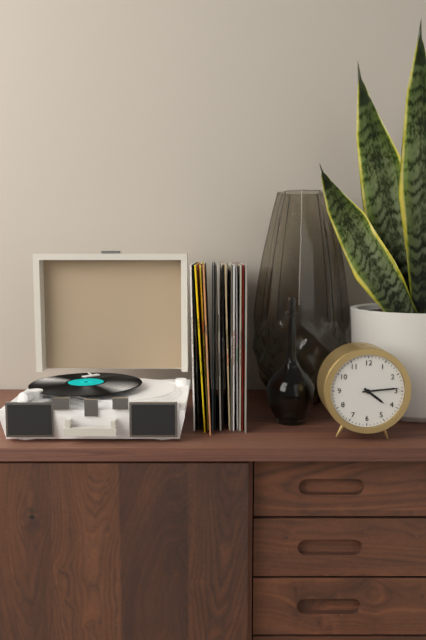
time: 4:14
